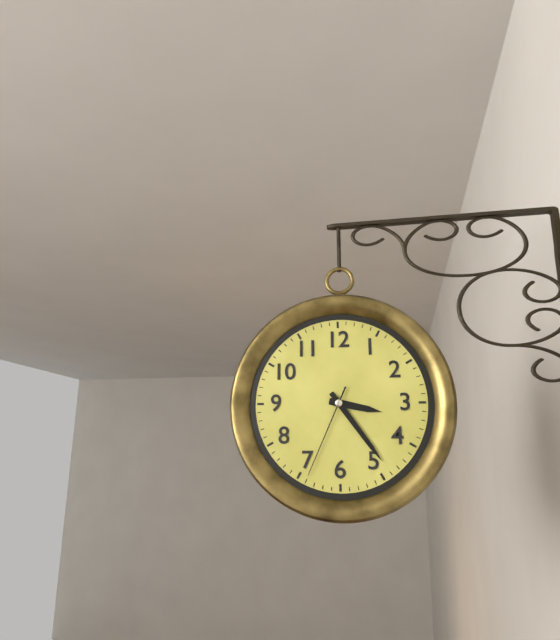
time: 3:24:34
